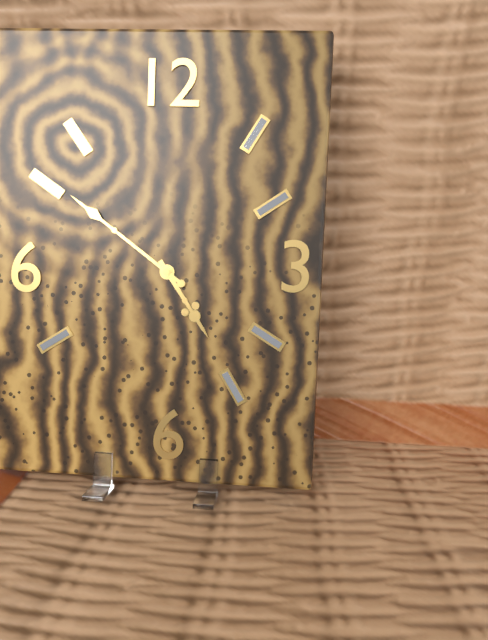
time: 4:51
